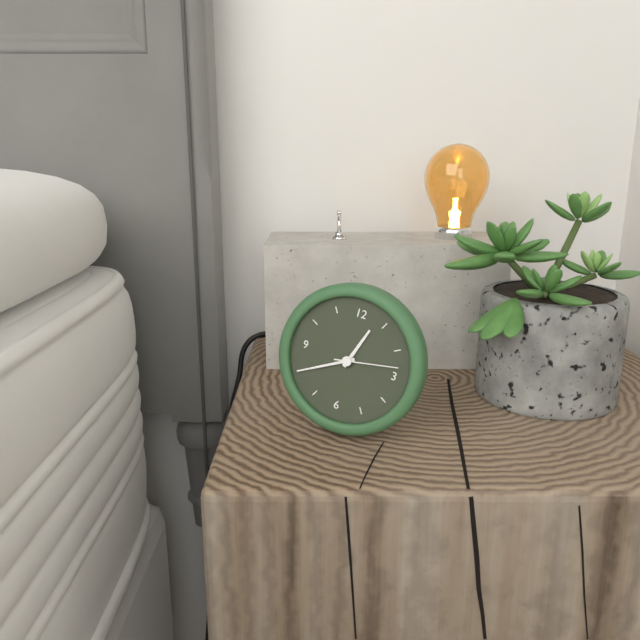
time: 12:40:13
